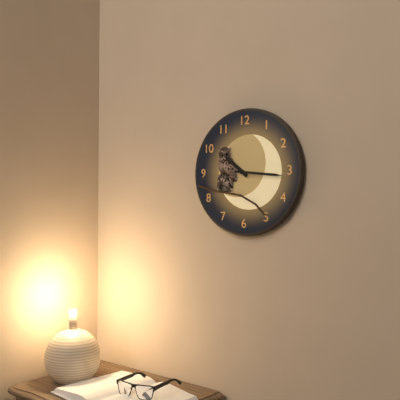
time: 10:16
